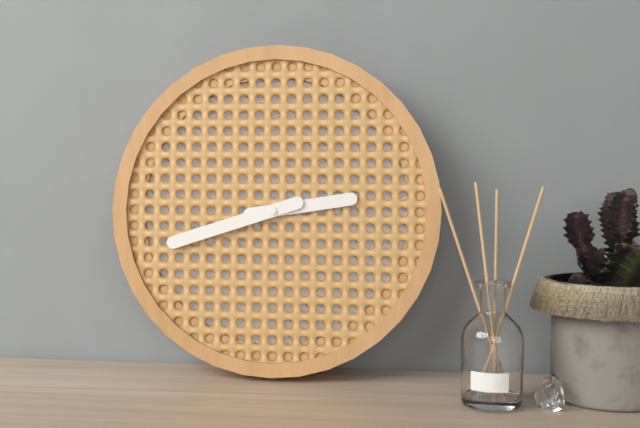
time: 2:42
